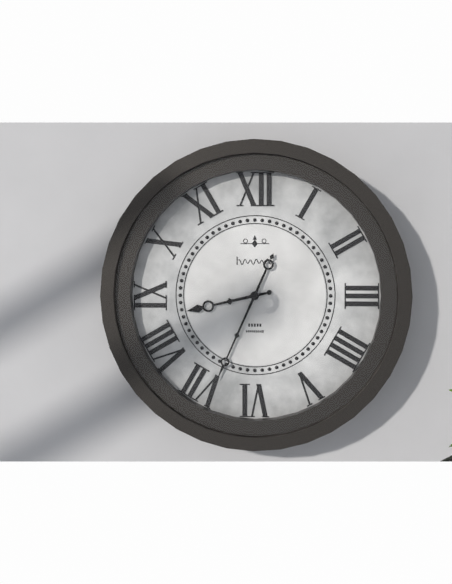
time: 8:34
